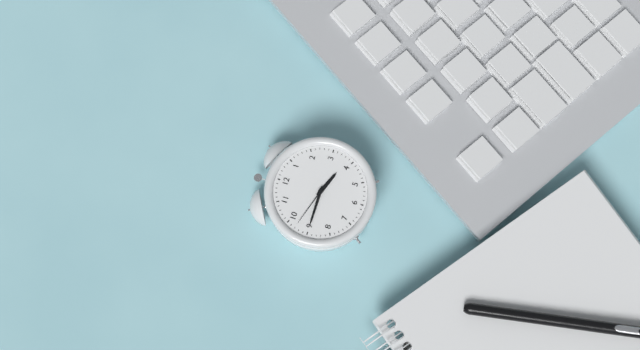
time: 3:45
